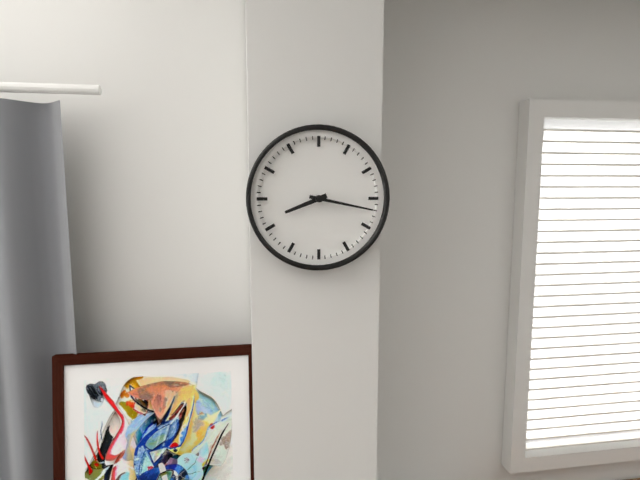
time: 8:17
